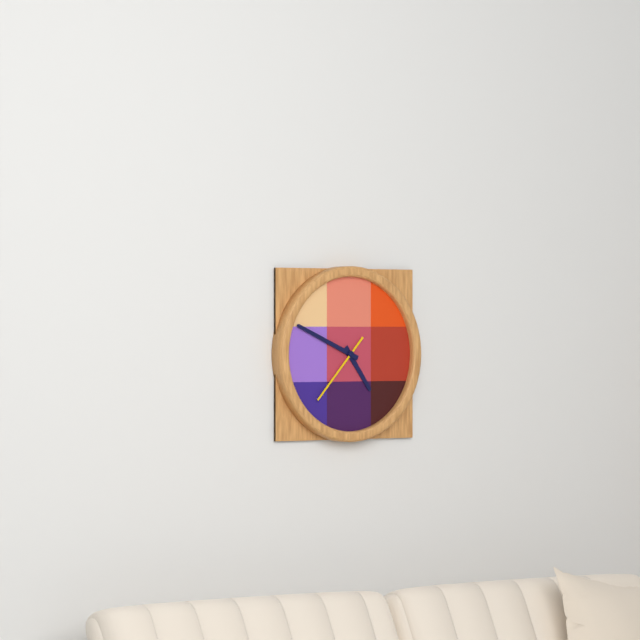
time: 4:49:37
